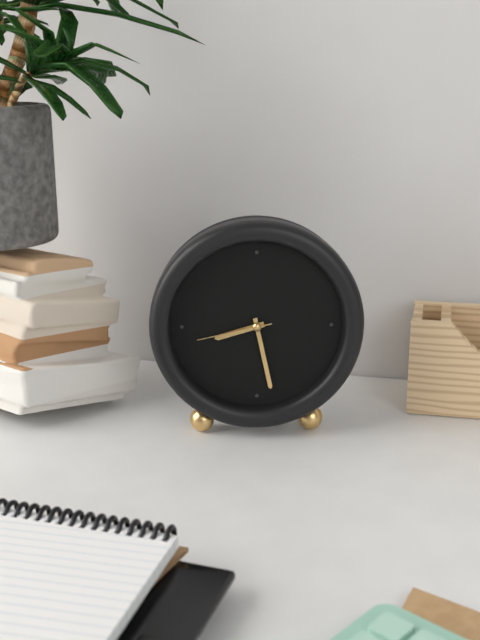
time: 8:28:43
